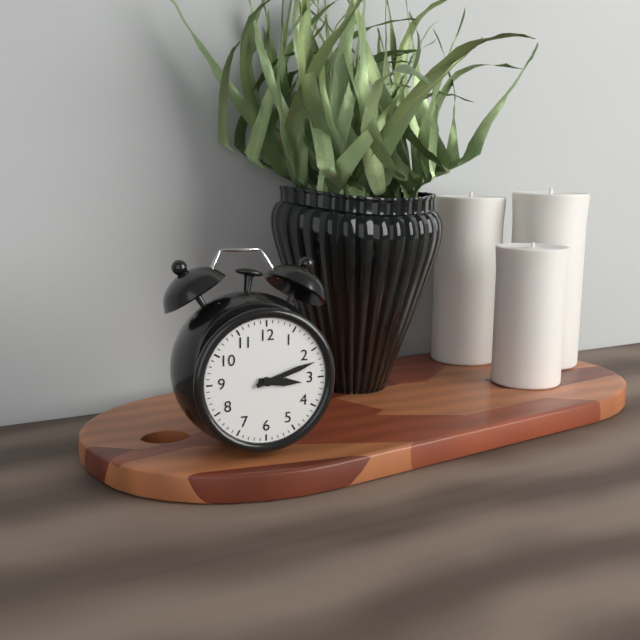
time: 3:12
